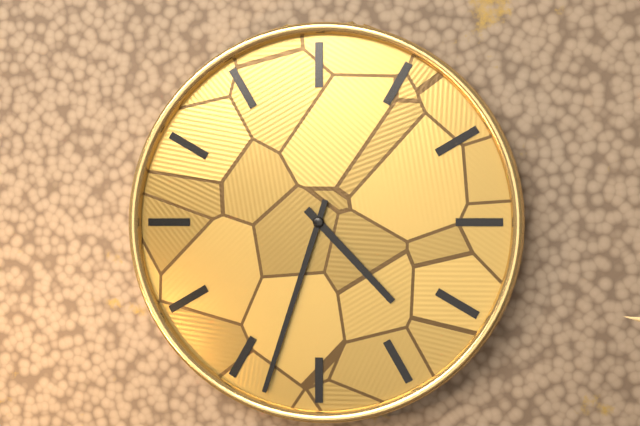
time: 4:33
